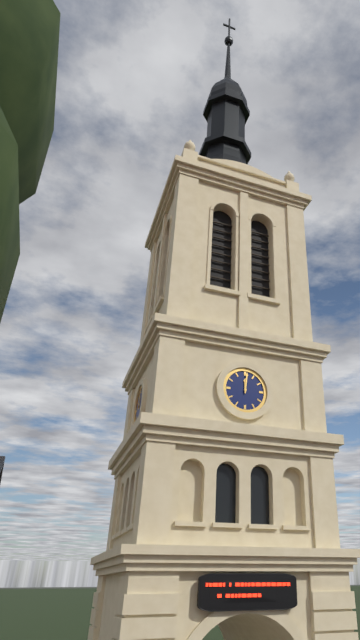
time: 12:01
